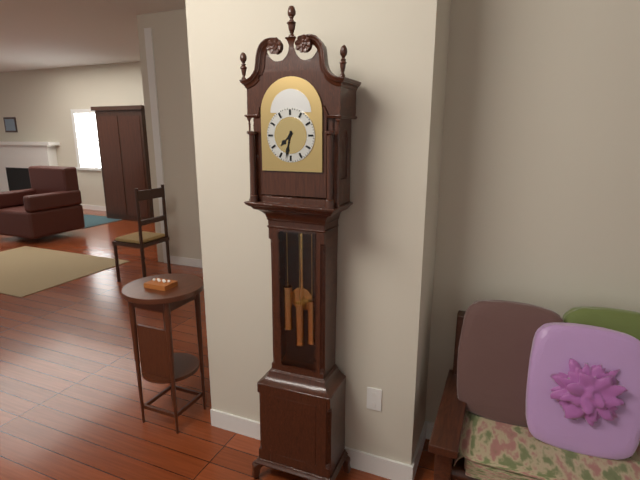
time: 7:32
